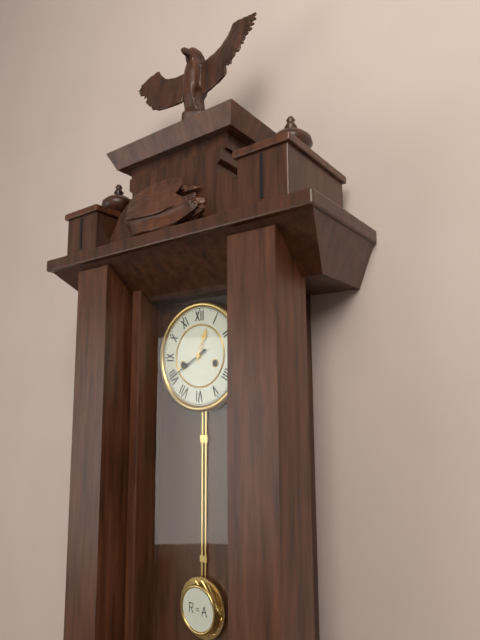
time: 12:40
